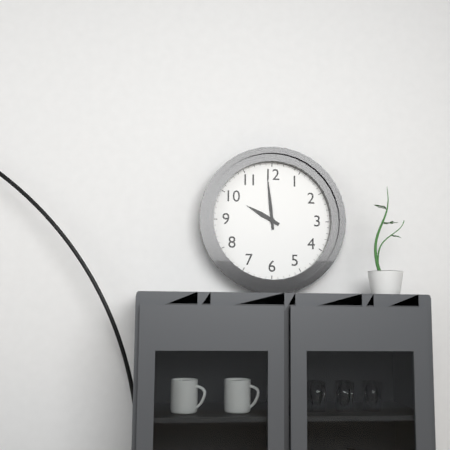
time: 9:59
